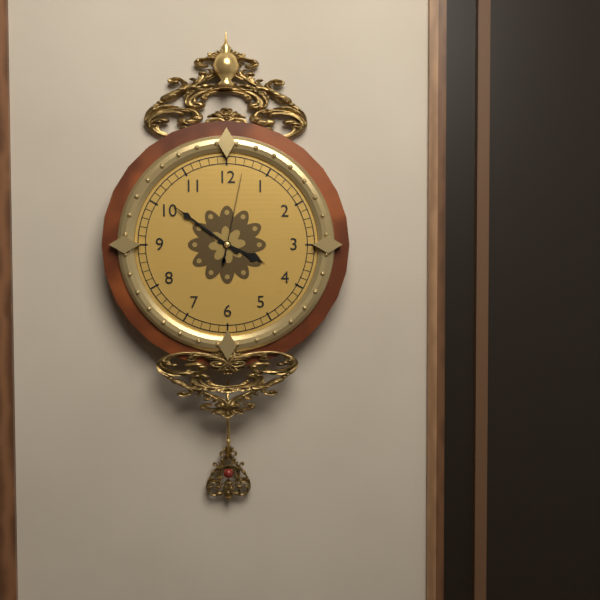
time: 3:51:02
